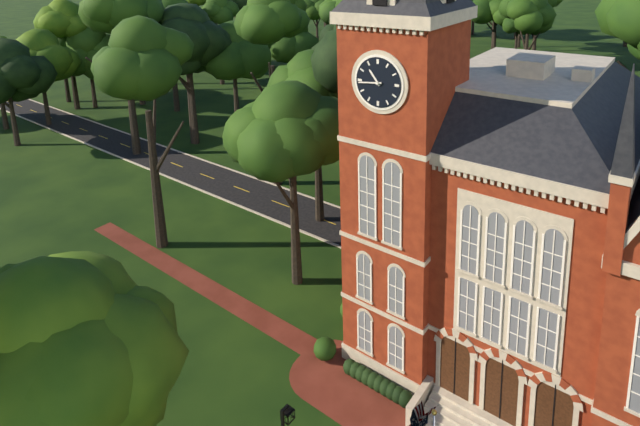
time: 10:44
